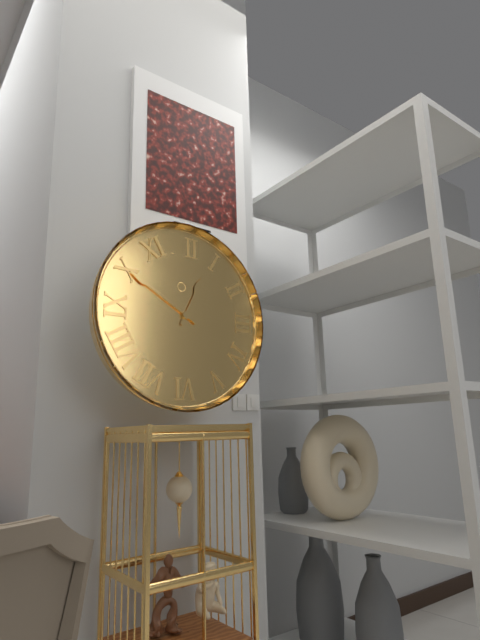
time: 12:50
